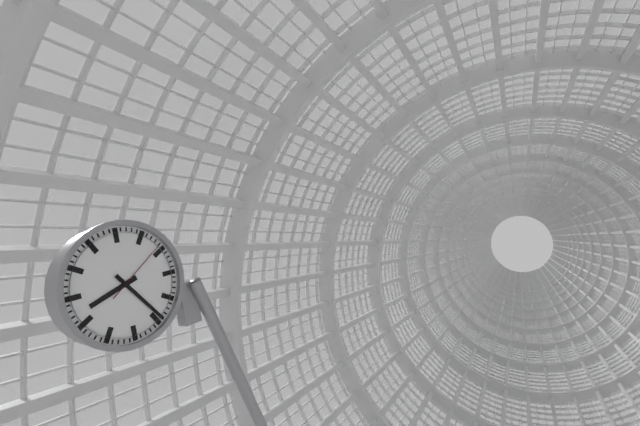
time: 8:24:09
